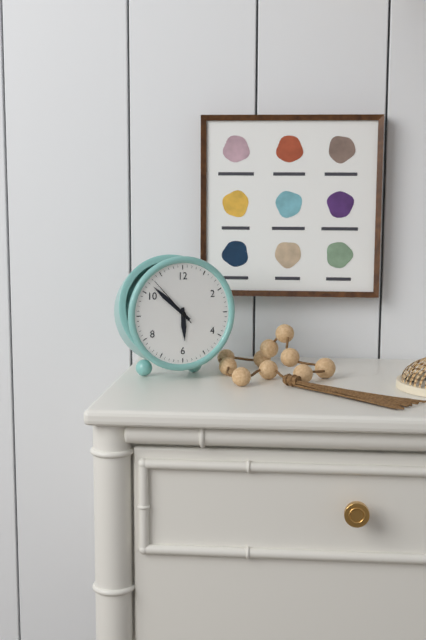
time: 5:52:53
